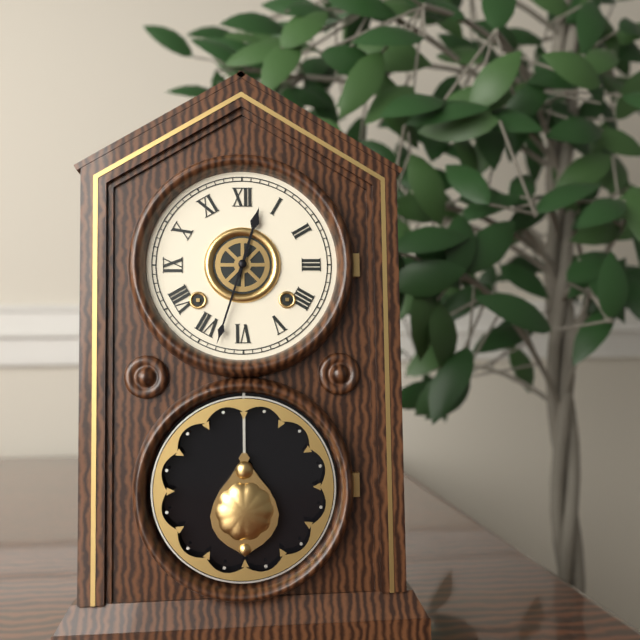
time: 12:33
